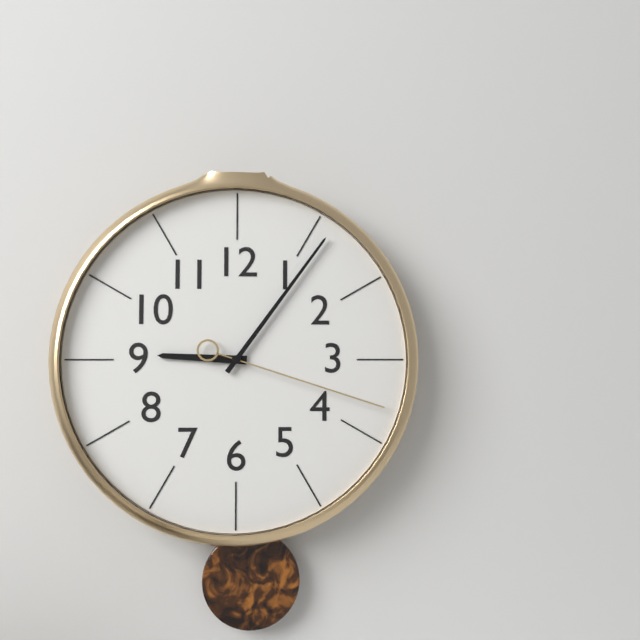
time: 9:06:18
